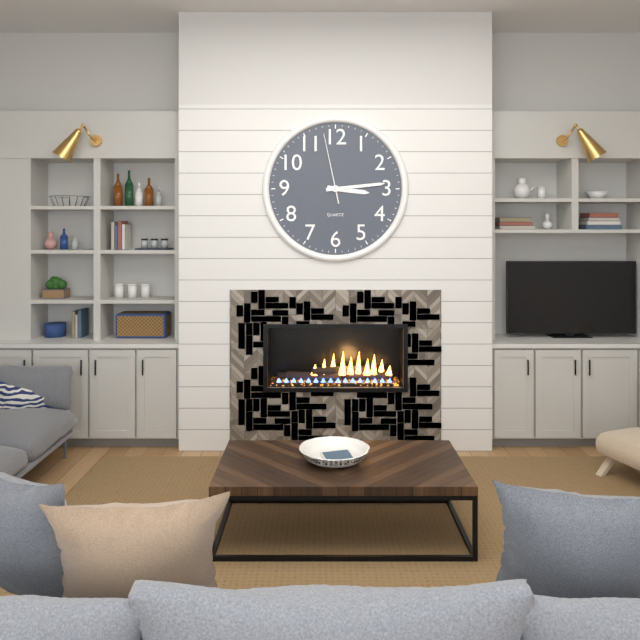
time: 3:14:58
